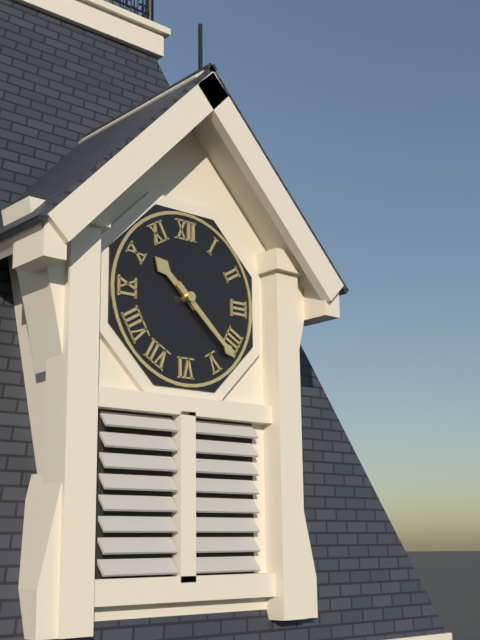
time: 10:22
